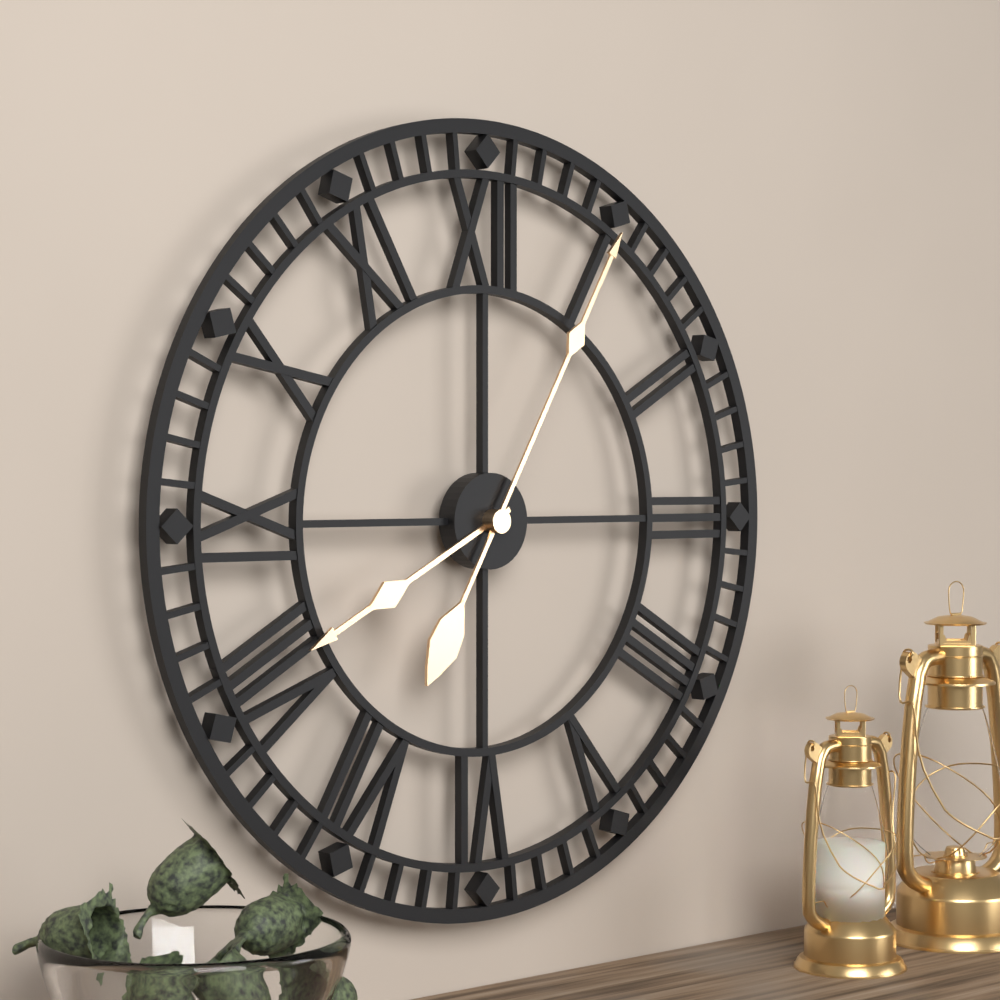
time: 8:05
